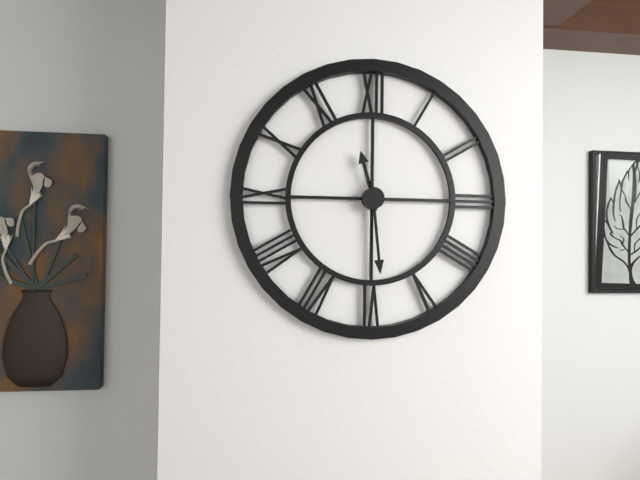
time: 11:29
